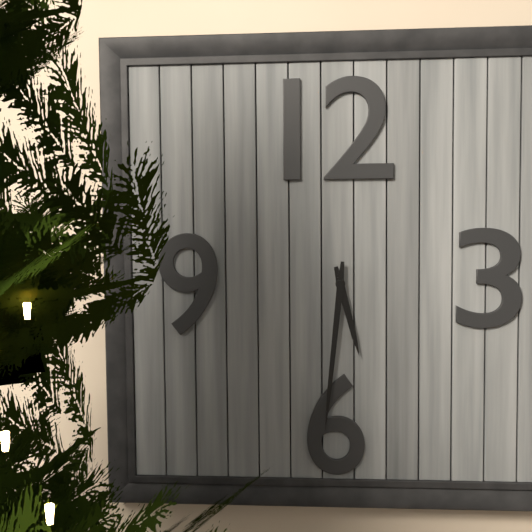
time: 5:31
